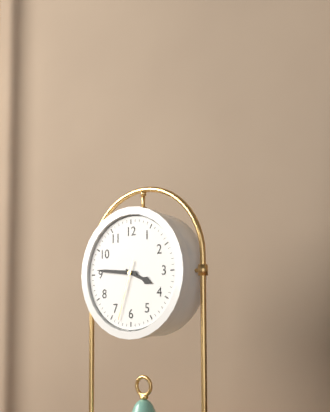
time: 3:46:33
